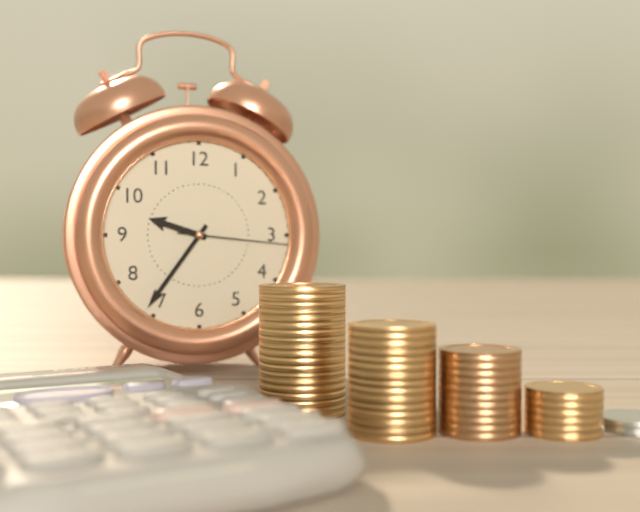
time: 9:36:16
